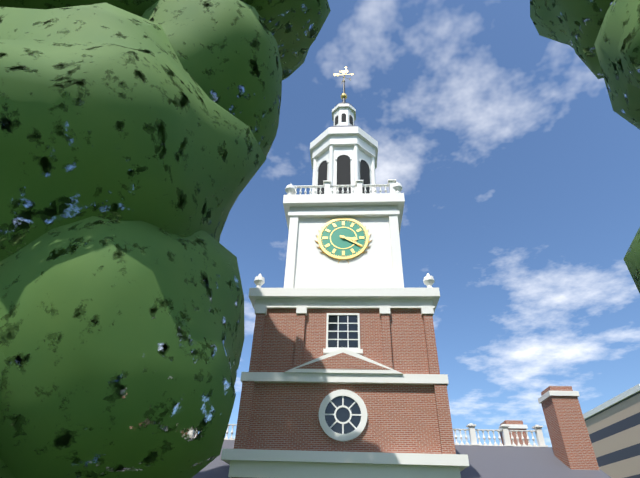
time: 3:20
